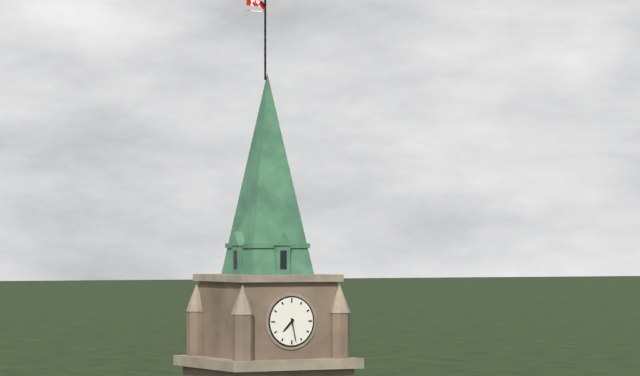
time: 7:28
